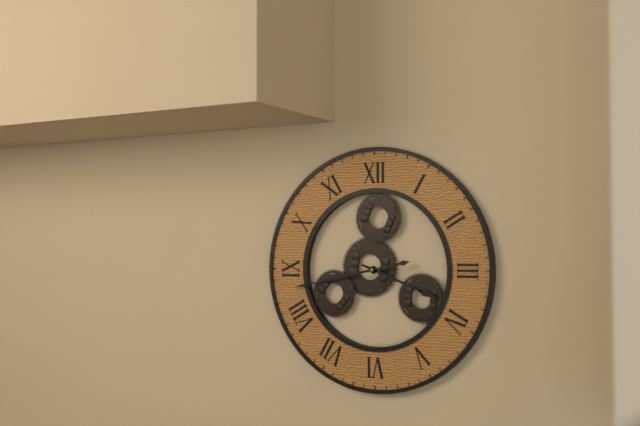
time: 3:43
